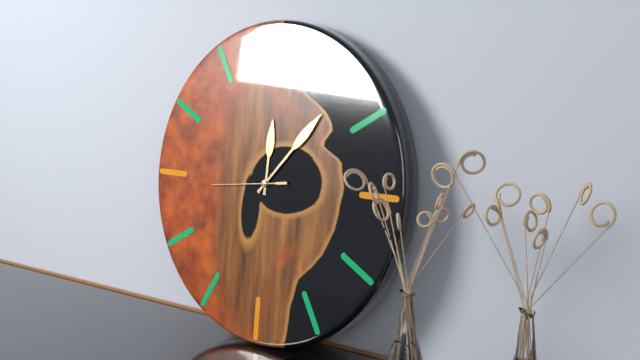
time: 12:07:44
